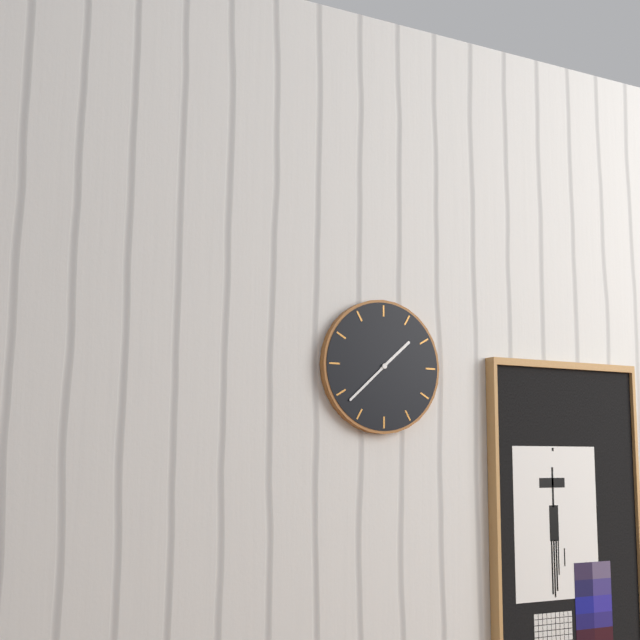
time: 1:38
